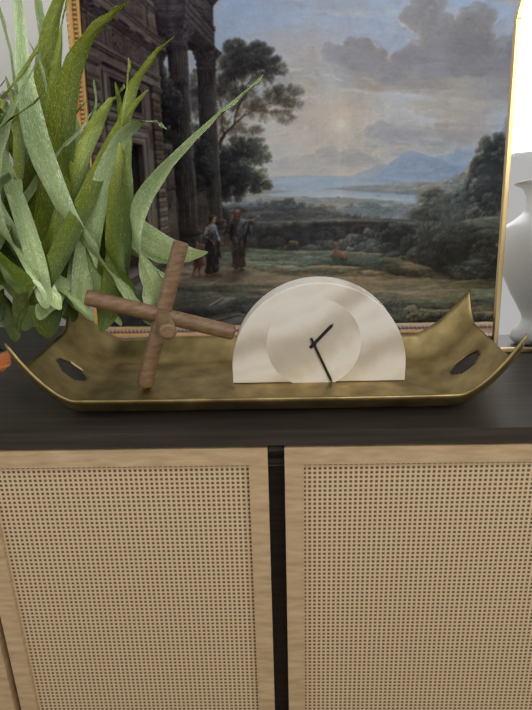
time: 1:26
